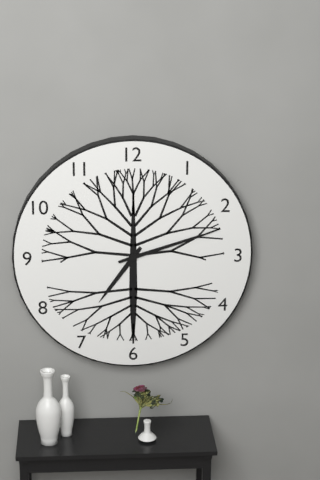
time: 7:12
